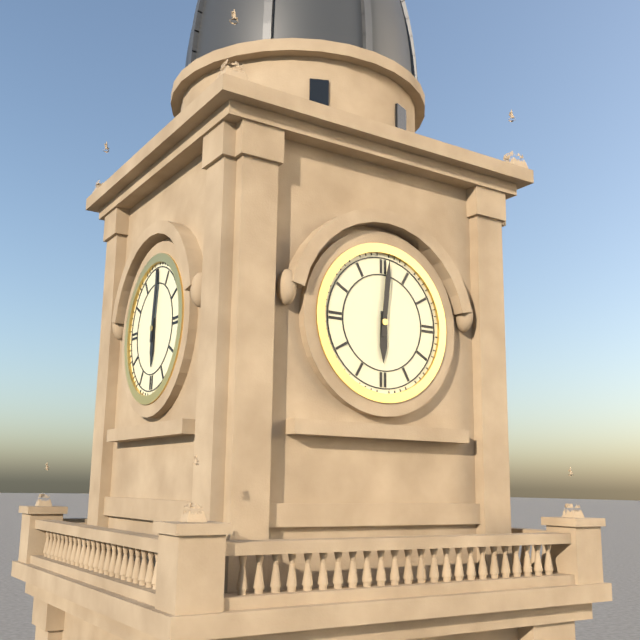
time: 6:01
